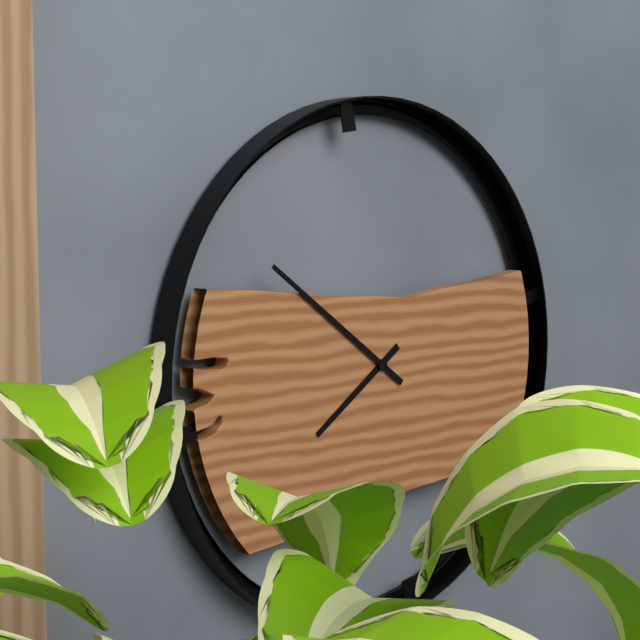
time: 7:51
